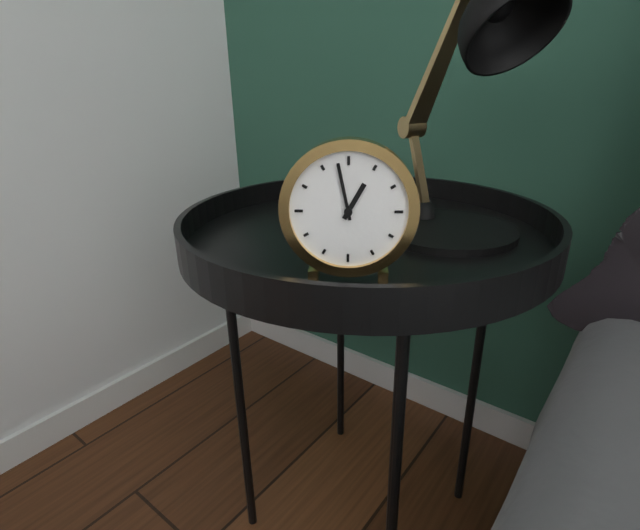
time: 12:58
